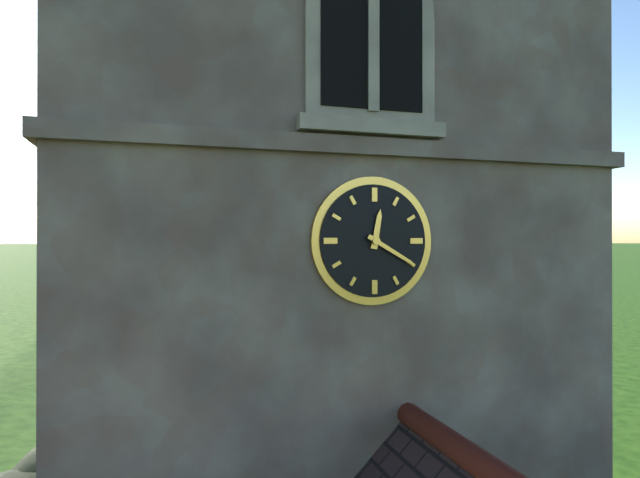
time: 12:20
